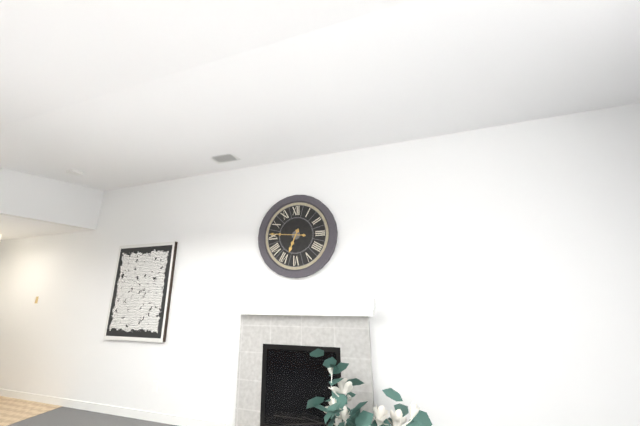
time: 6:46
